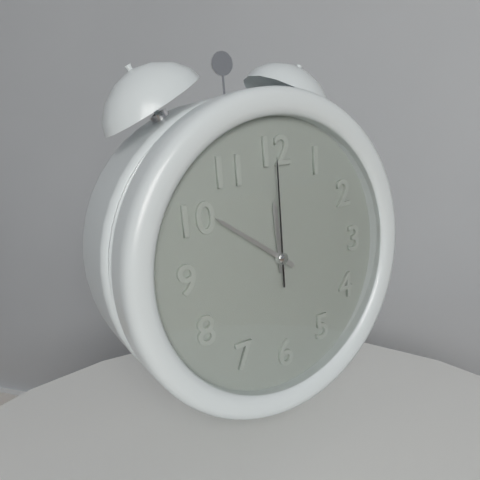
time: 11:51:00
